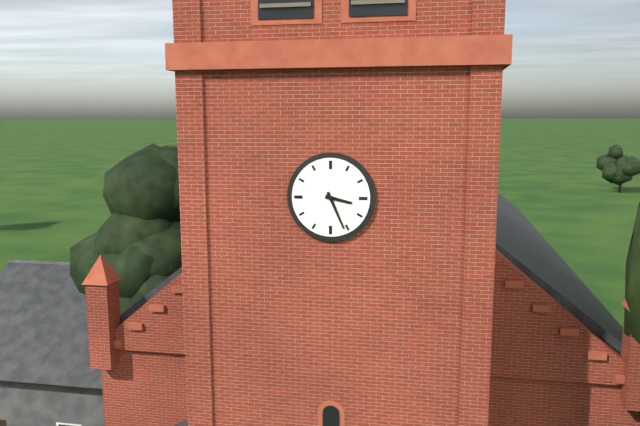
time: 3:26
